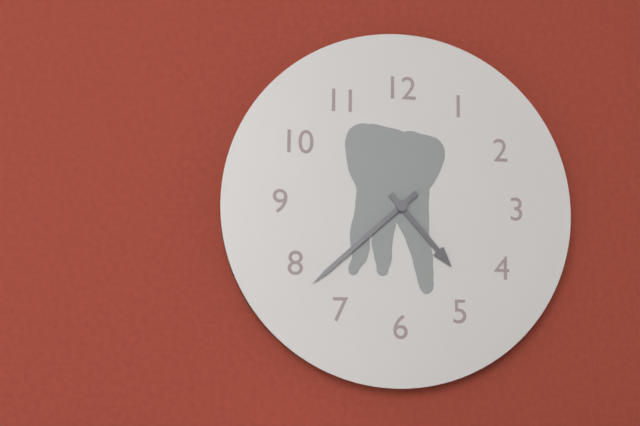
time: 4:38
